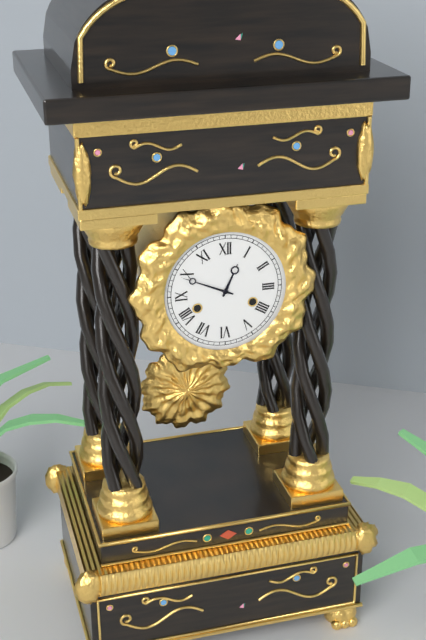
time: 12:49
